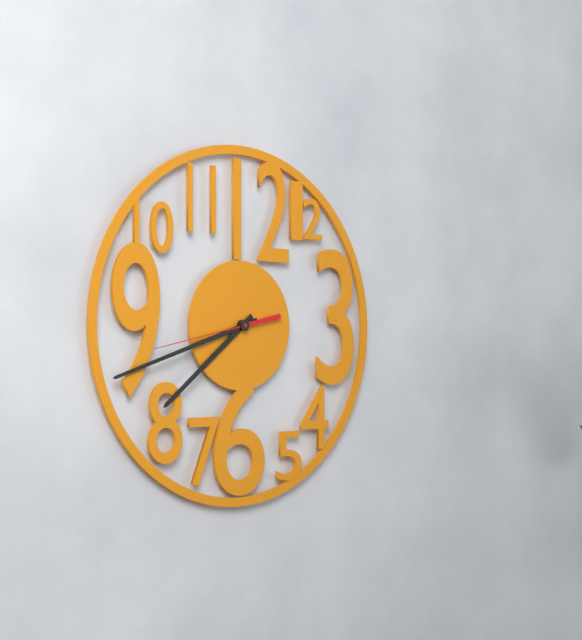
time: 7:42:43
